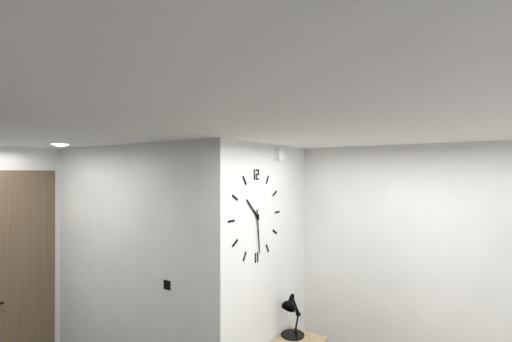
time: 10:29
